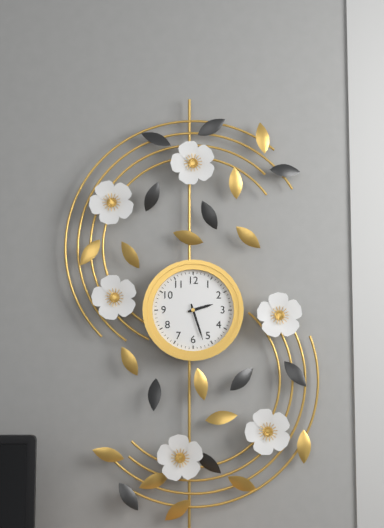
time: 2:27
